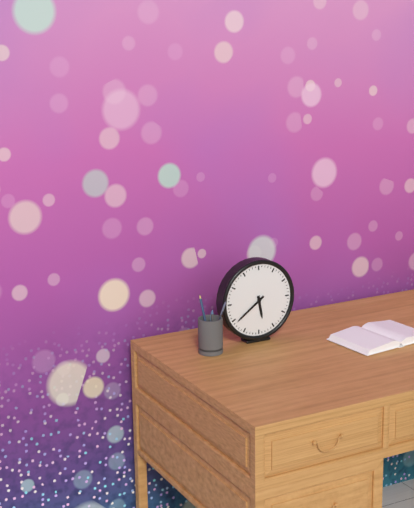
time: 5:39
